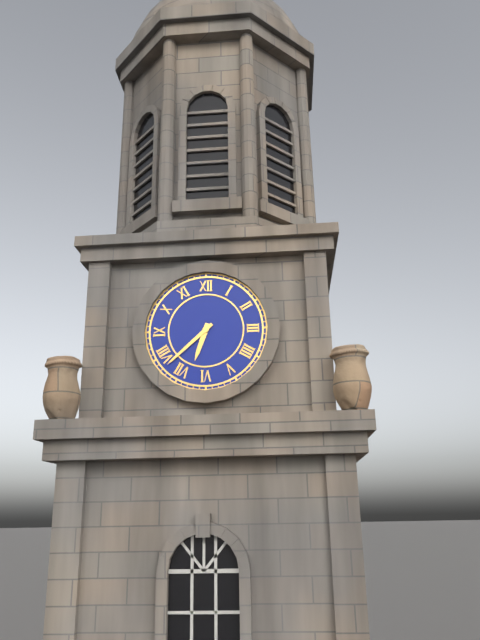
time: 6:38
